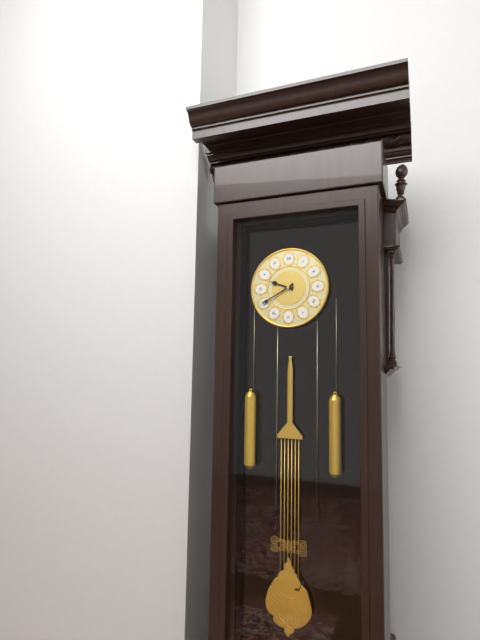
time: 9:40
